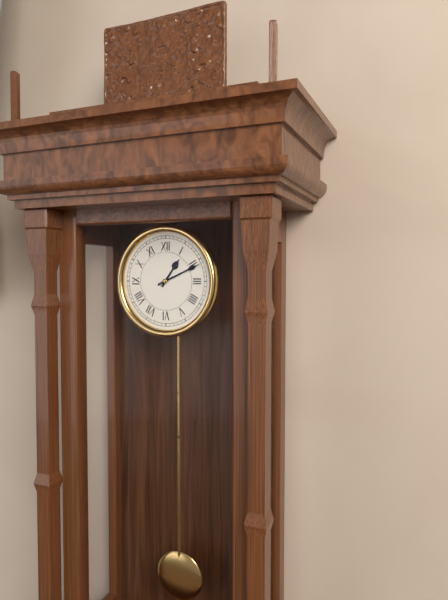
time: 1:11
